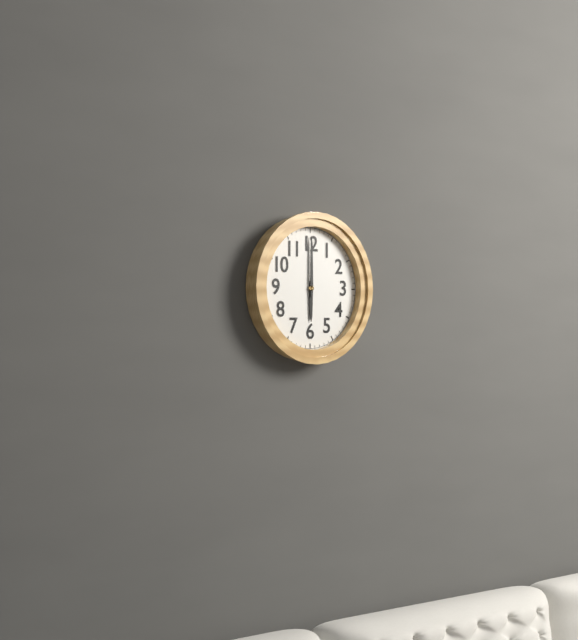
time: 6:00
